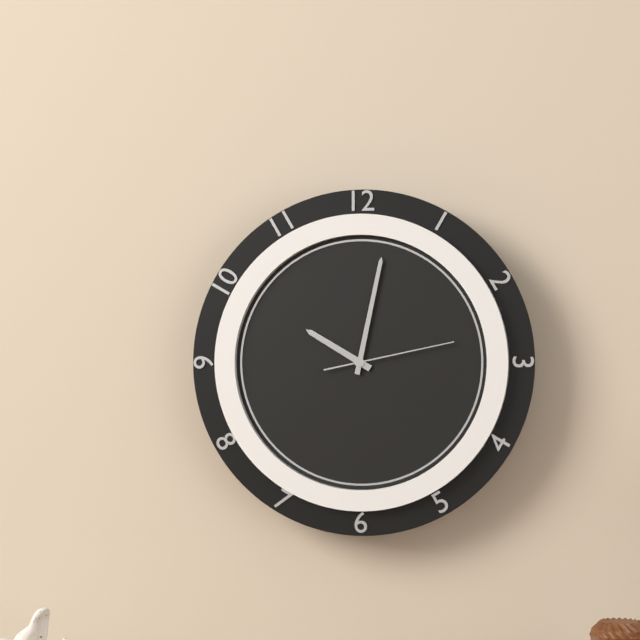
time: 10:02:13
